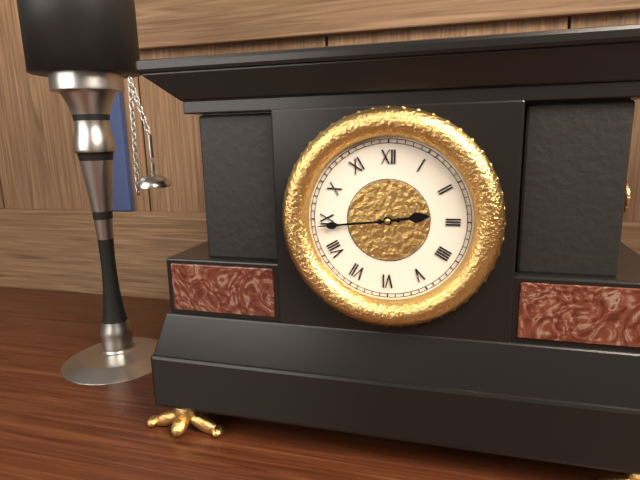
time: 2:44
